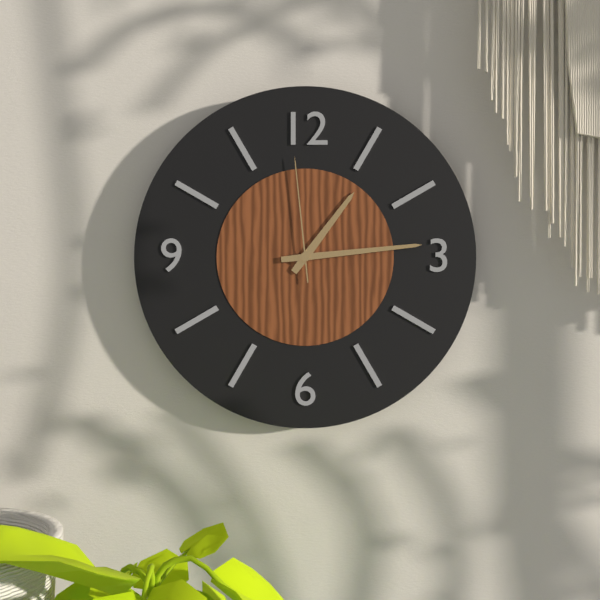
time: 1:14:59
